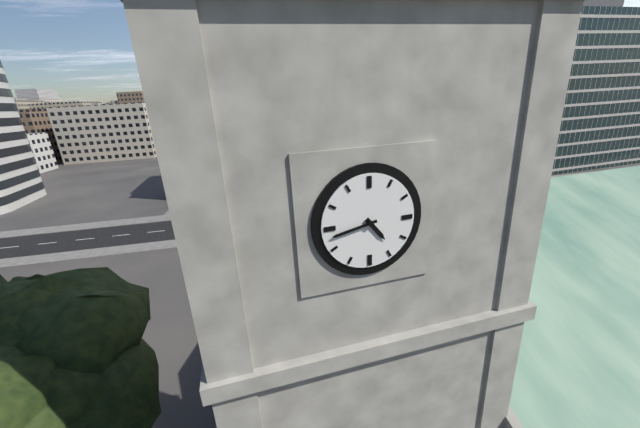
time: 4:43
